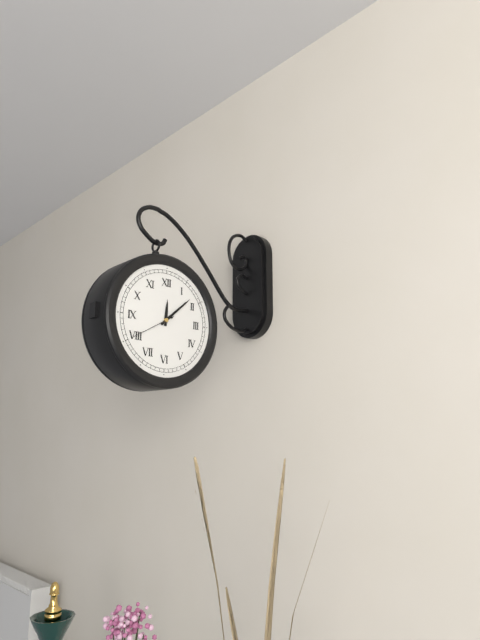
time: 12:08
